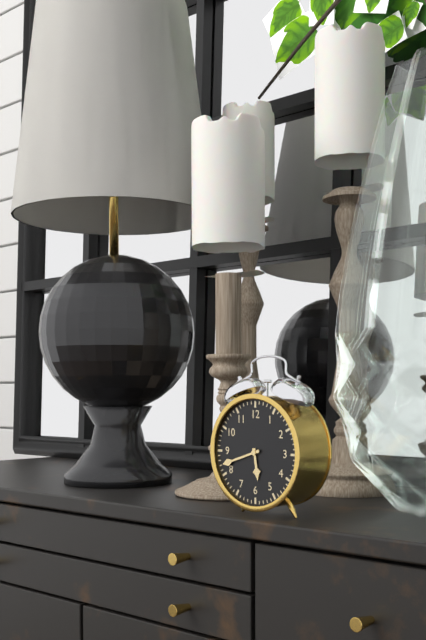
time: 5:42
